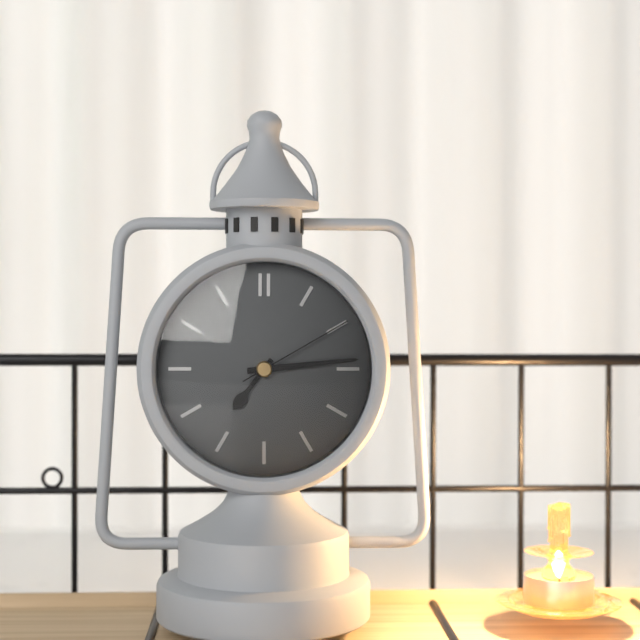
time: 7:14:10
